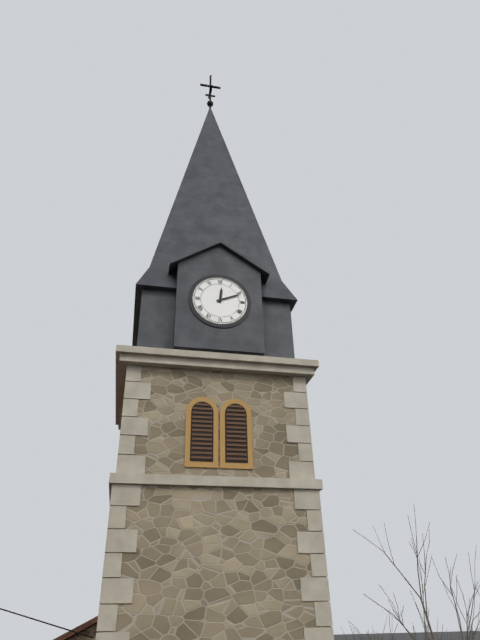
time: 12:11
